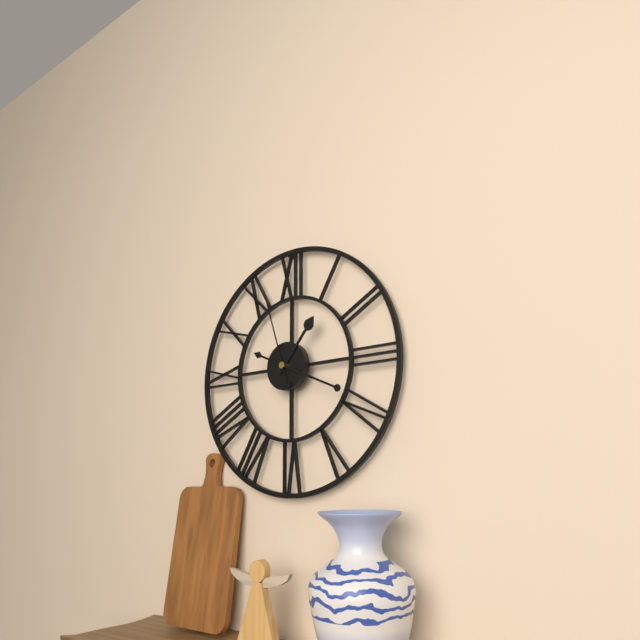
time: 1:19:57
